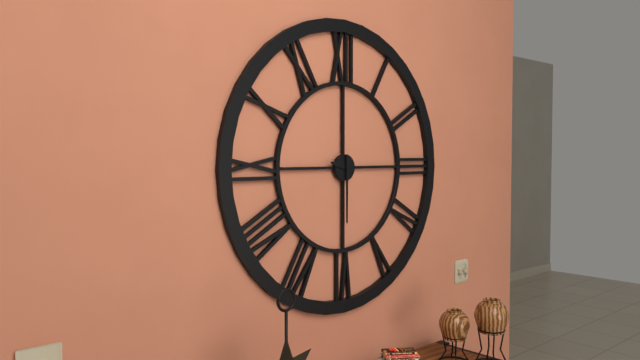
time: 9:30
